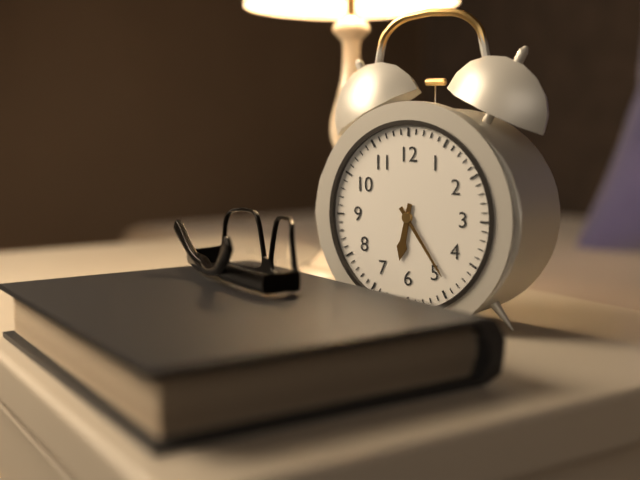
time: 6:24
